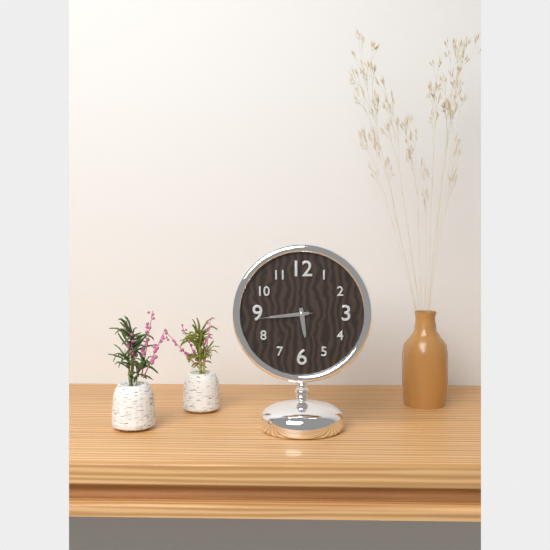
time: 5:44:44
